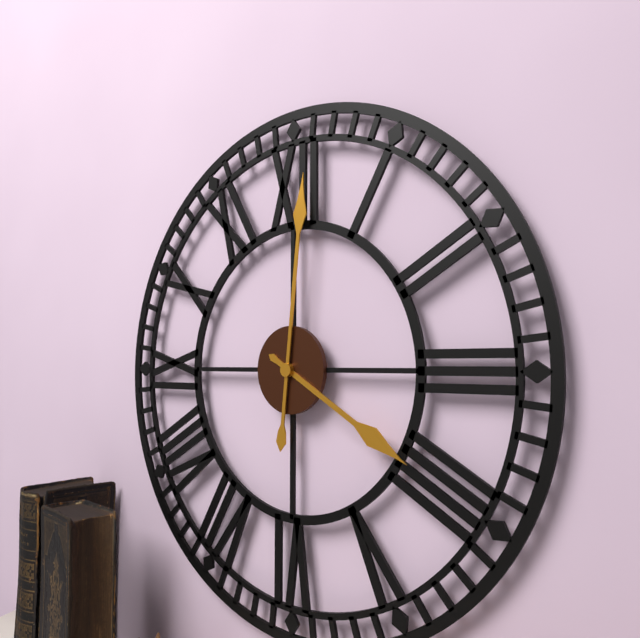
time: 4:01
